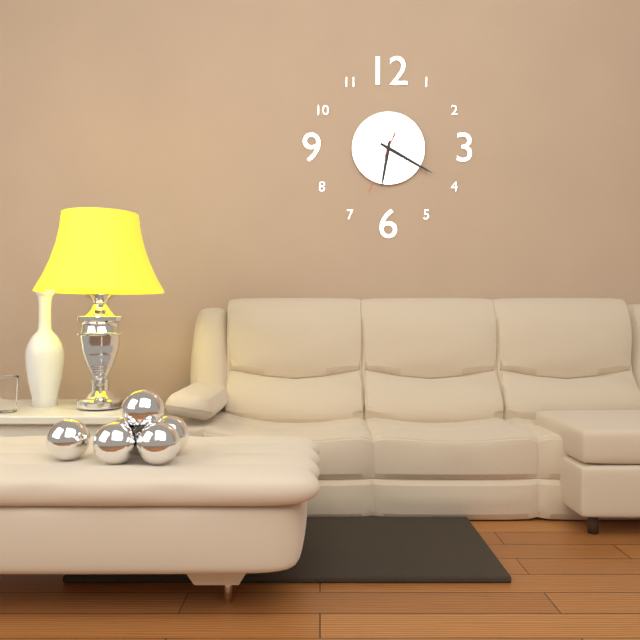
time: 6:20:34
